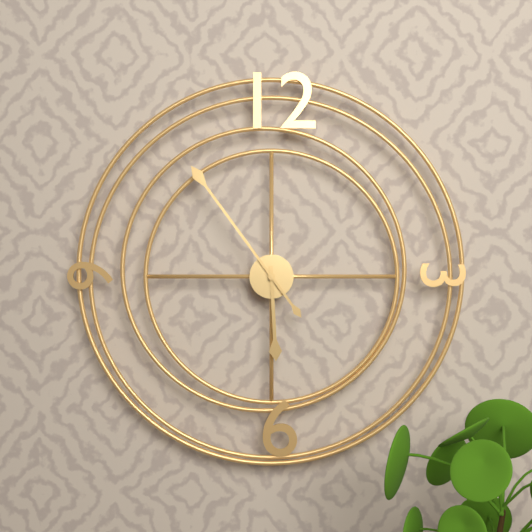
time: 5:54
